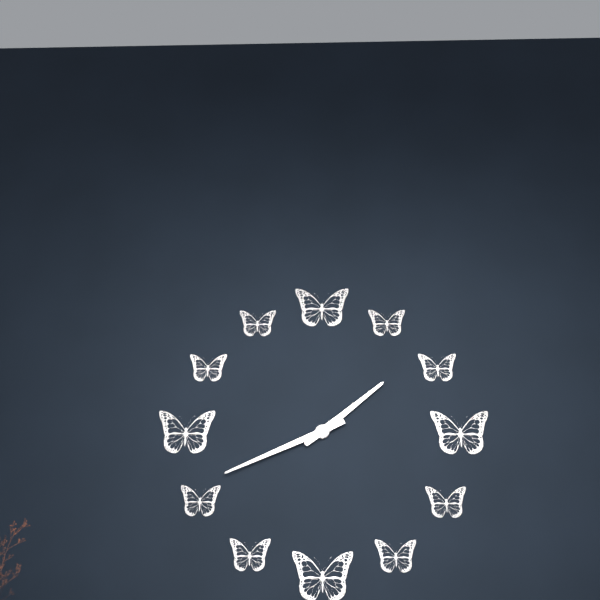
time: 1:41
